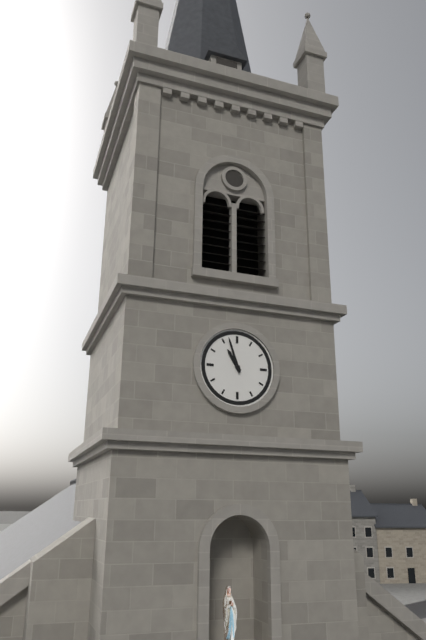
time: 10:57
